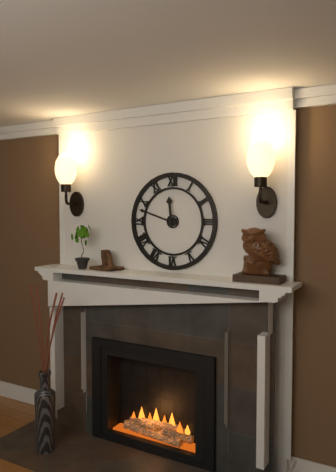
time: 11:48
